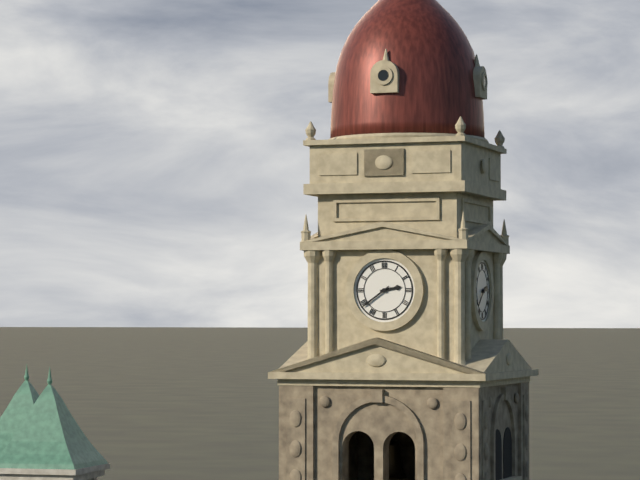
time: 2:39
